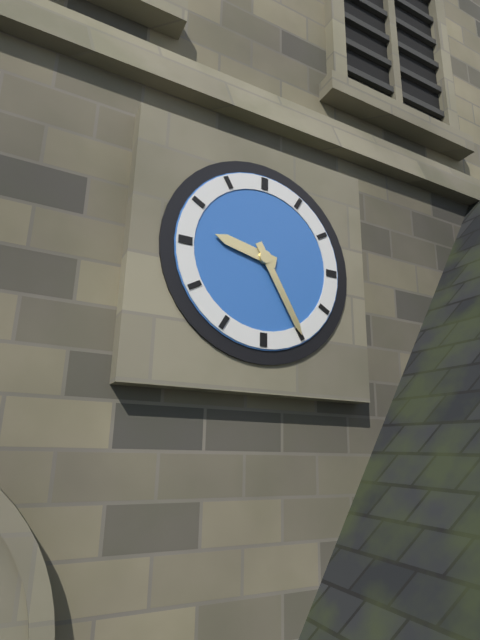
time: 9:25
